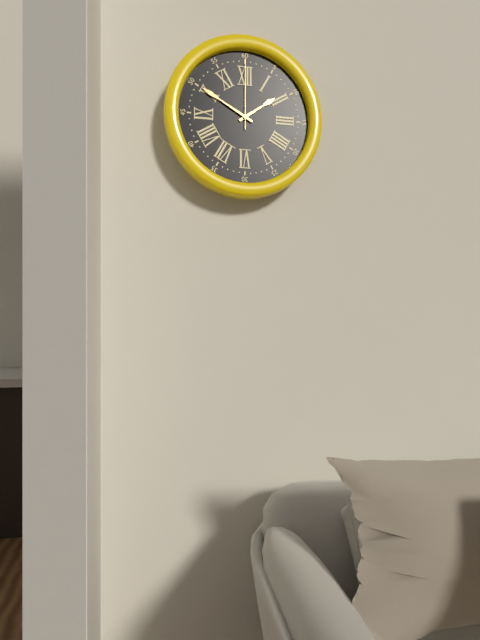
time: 1:50:00
